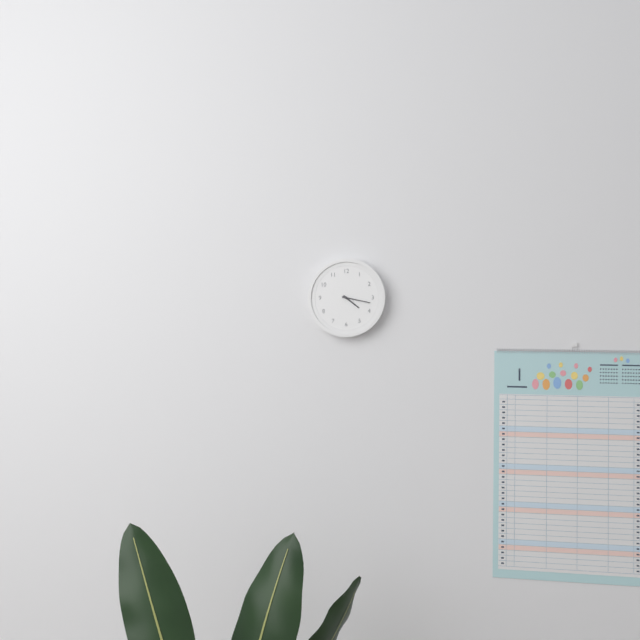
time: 4:17
